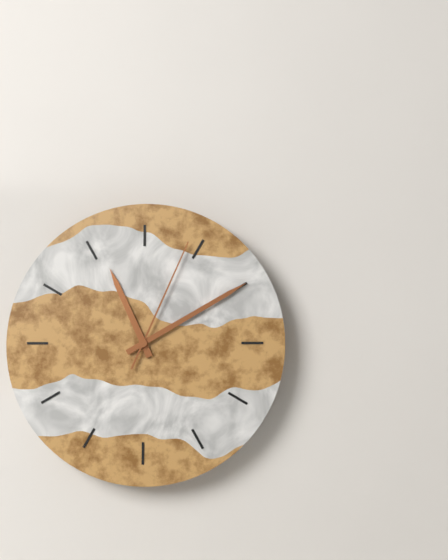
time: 11:10:04
